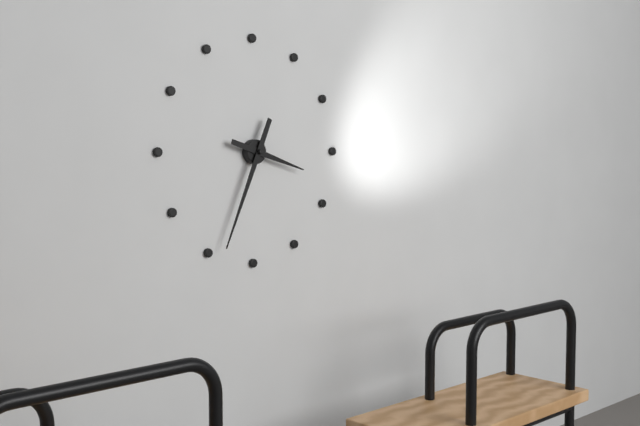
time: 3:34
